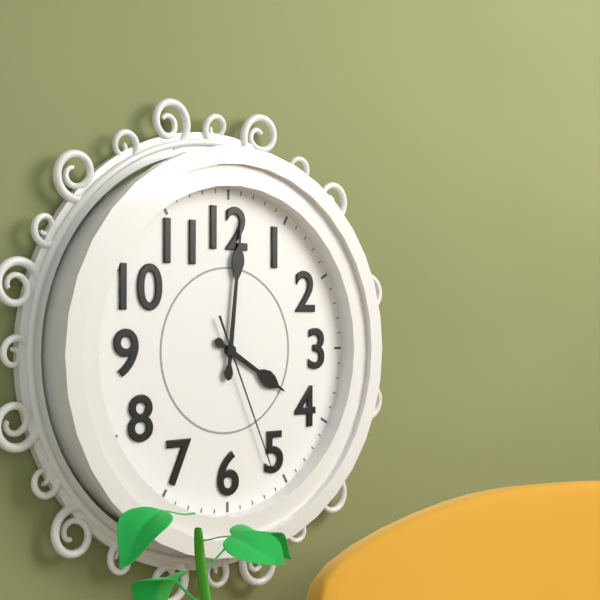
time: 4:01:26
